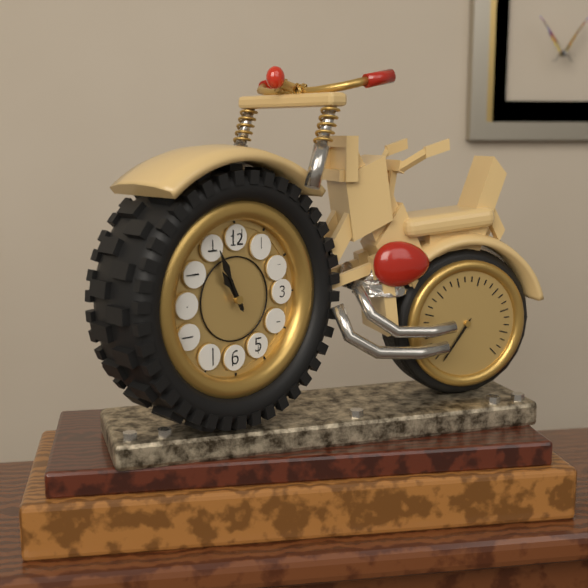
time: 10:56
